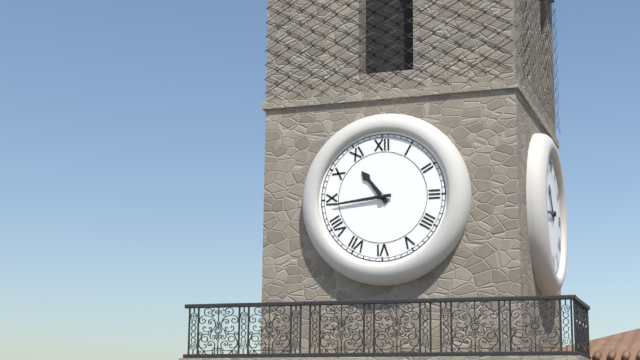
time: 10:44
